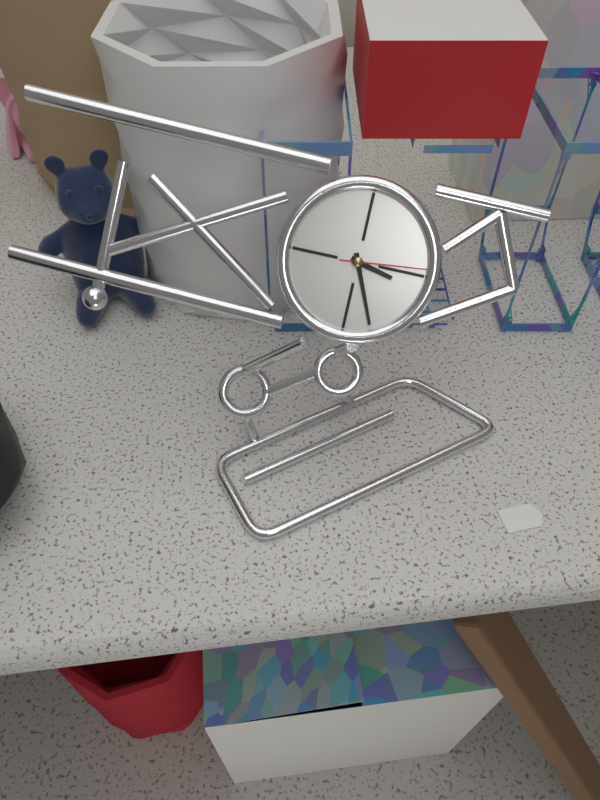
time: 3:26:14
